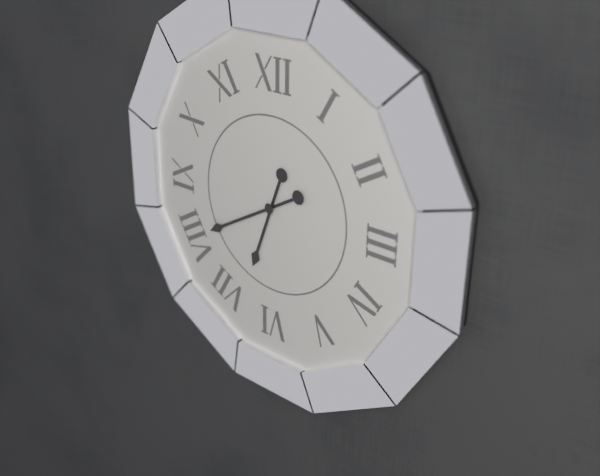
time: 6:40
